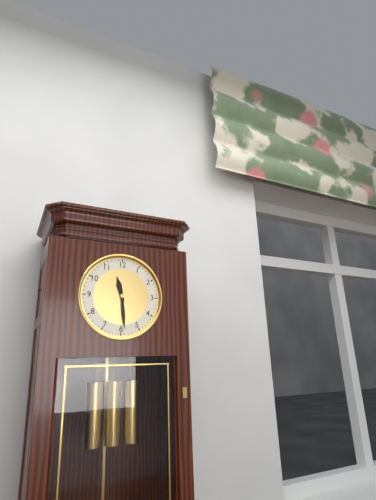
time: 11:29
